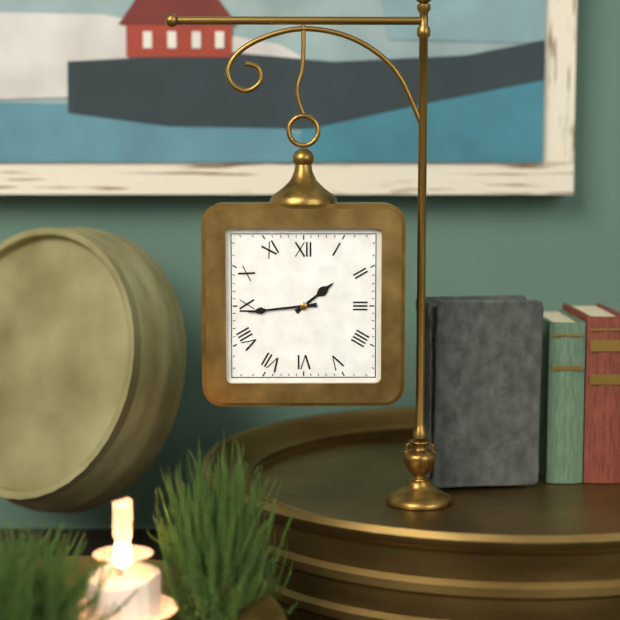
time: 1:44
